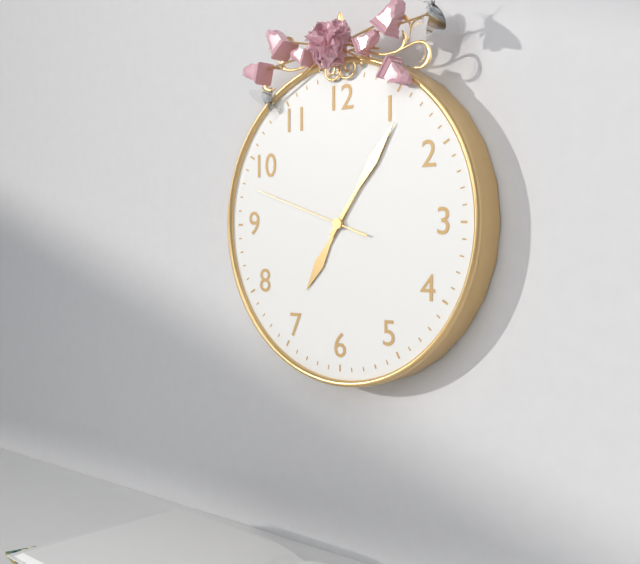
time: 7:06:48
